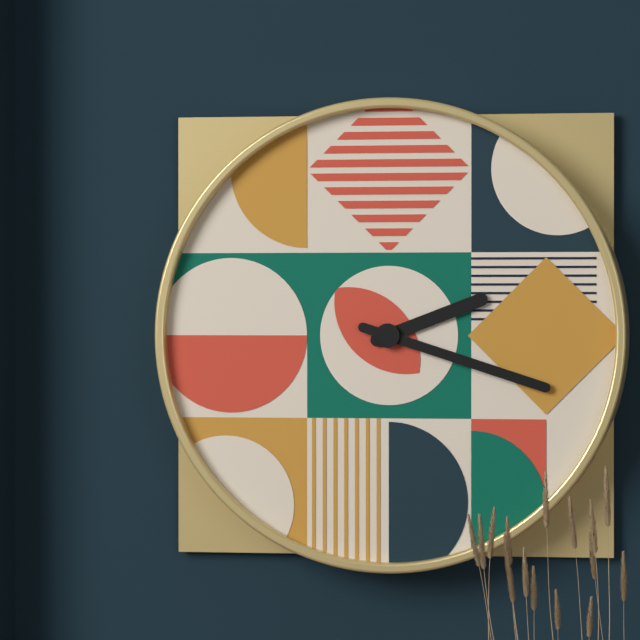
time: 2:18
